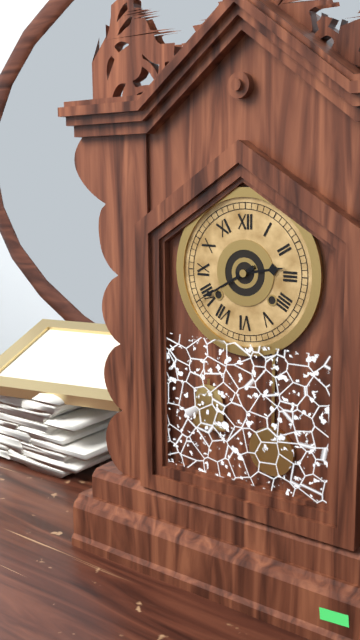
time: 2:40
